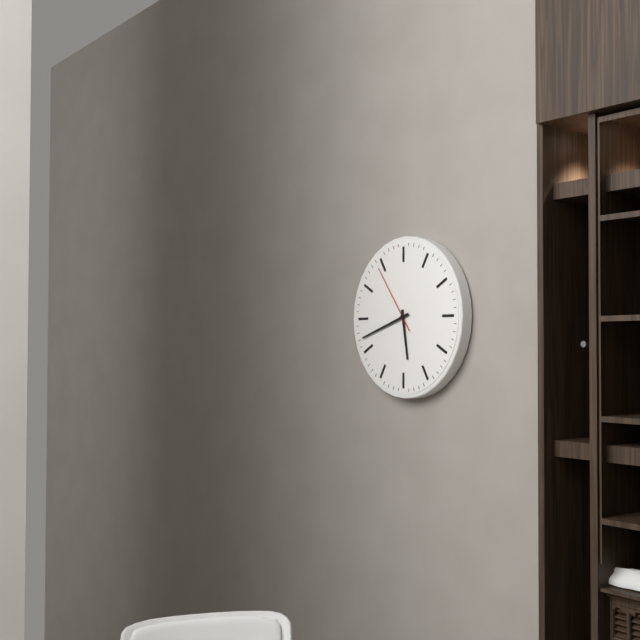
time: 5:42:54
